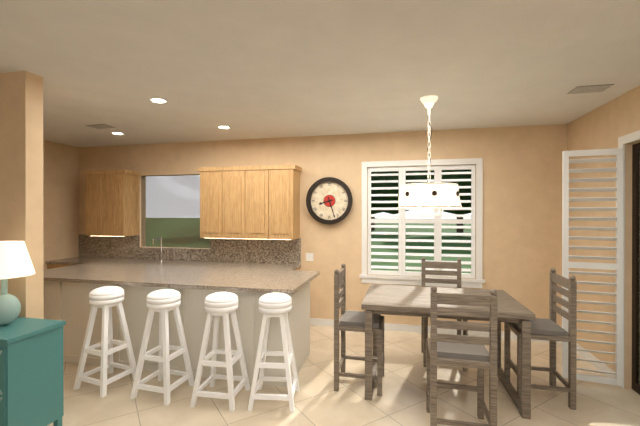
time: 8:27
